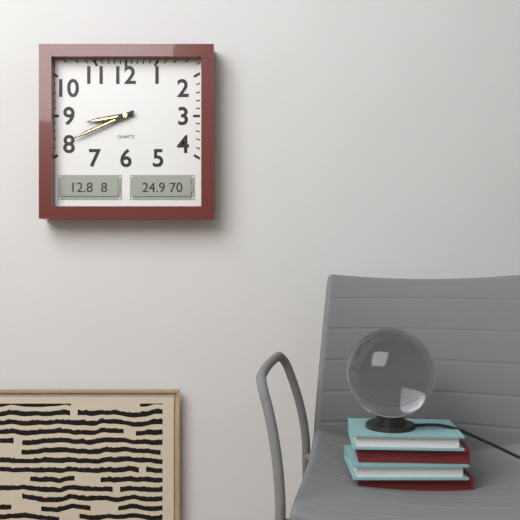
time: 8:41
